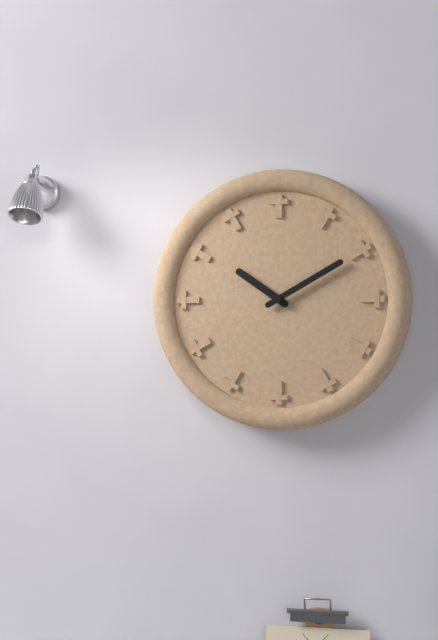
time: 10:10
